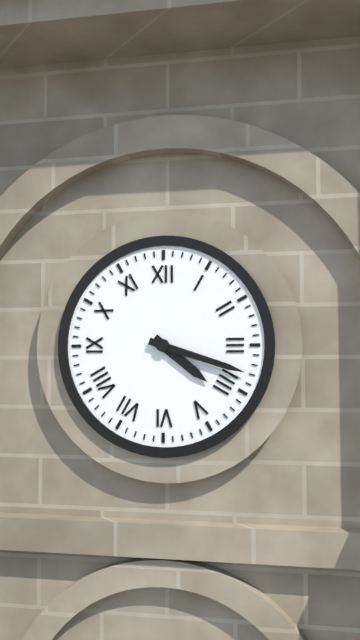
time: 4:18
